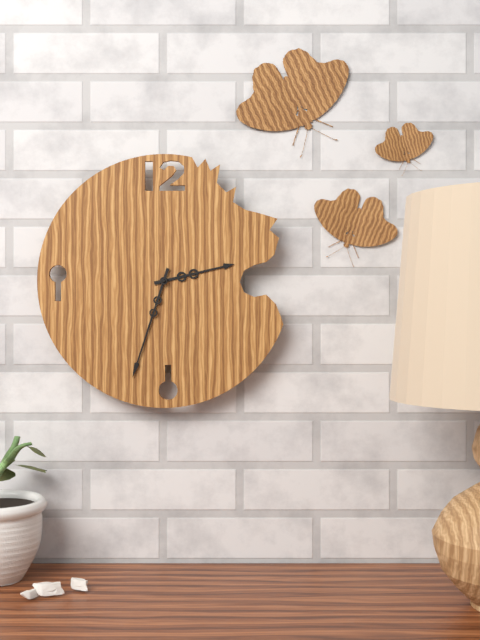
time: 2:33
